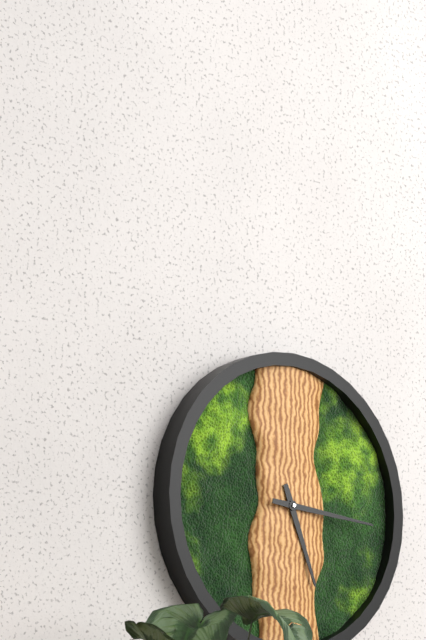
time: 5:16
